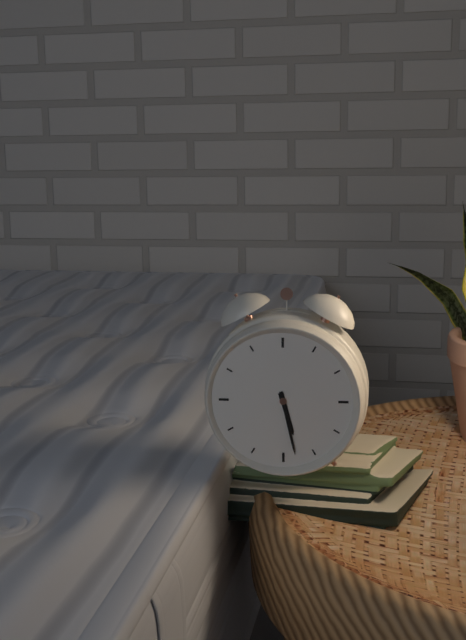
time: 5:28
